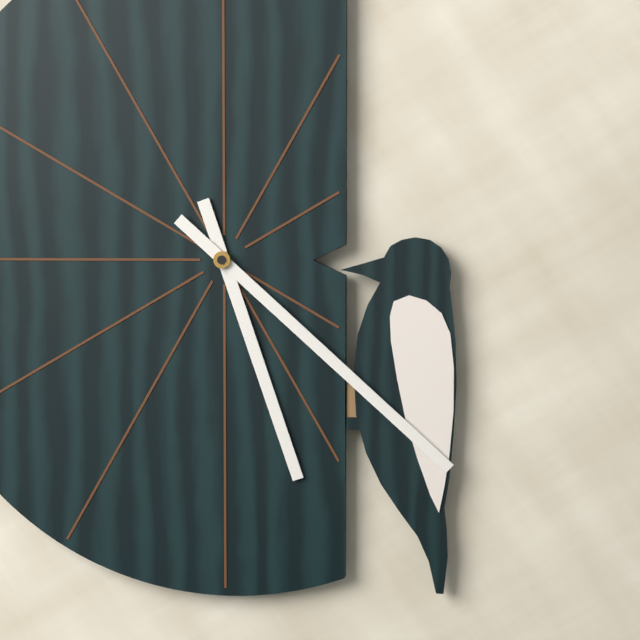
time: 5:22
